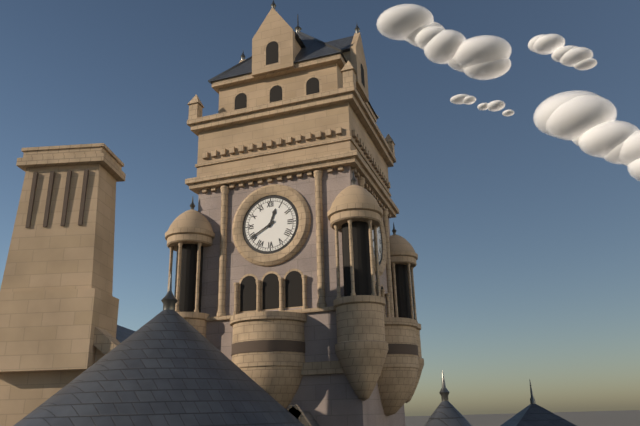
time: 12:40
